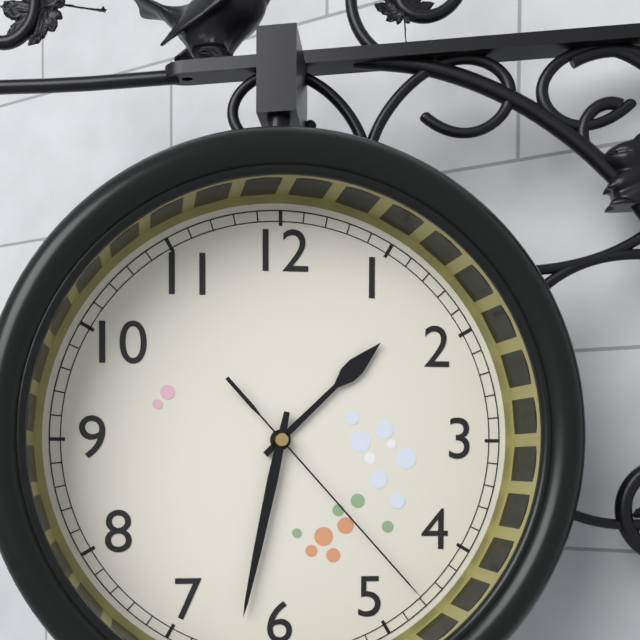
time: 1:32:23
